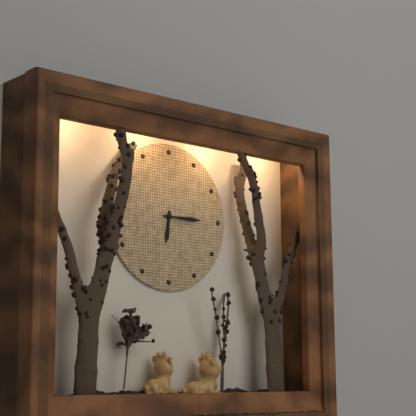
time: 6:15
